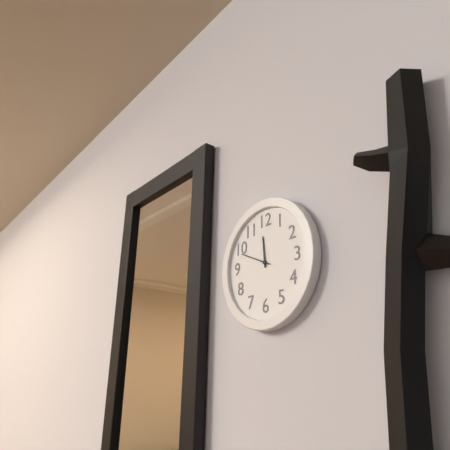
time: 11:49
